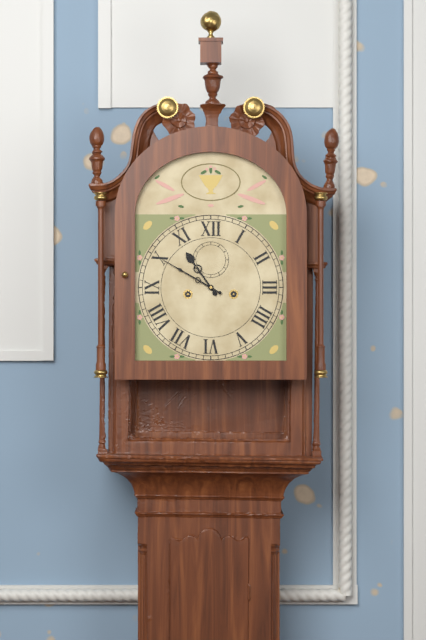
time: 10:50
